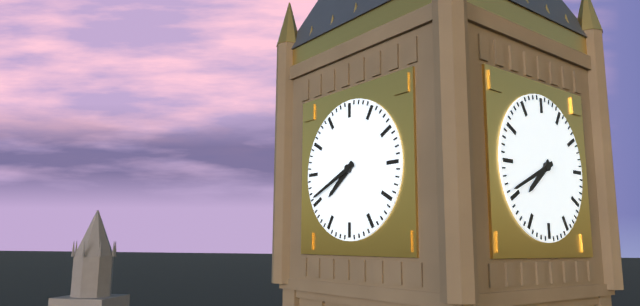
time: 7:41
